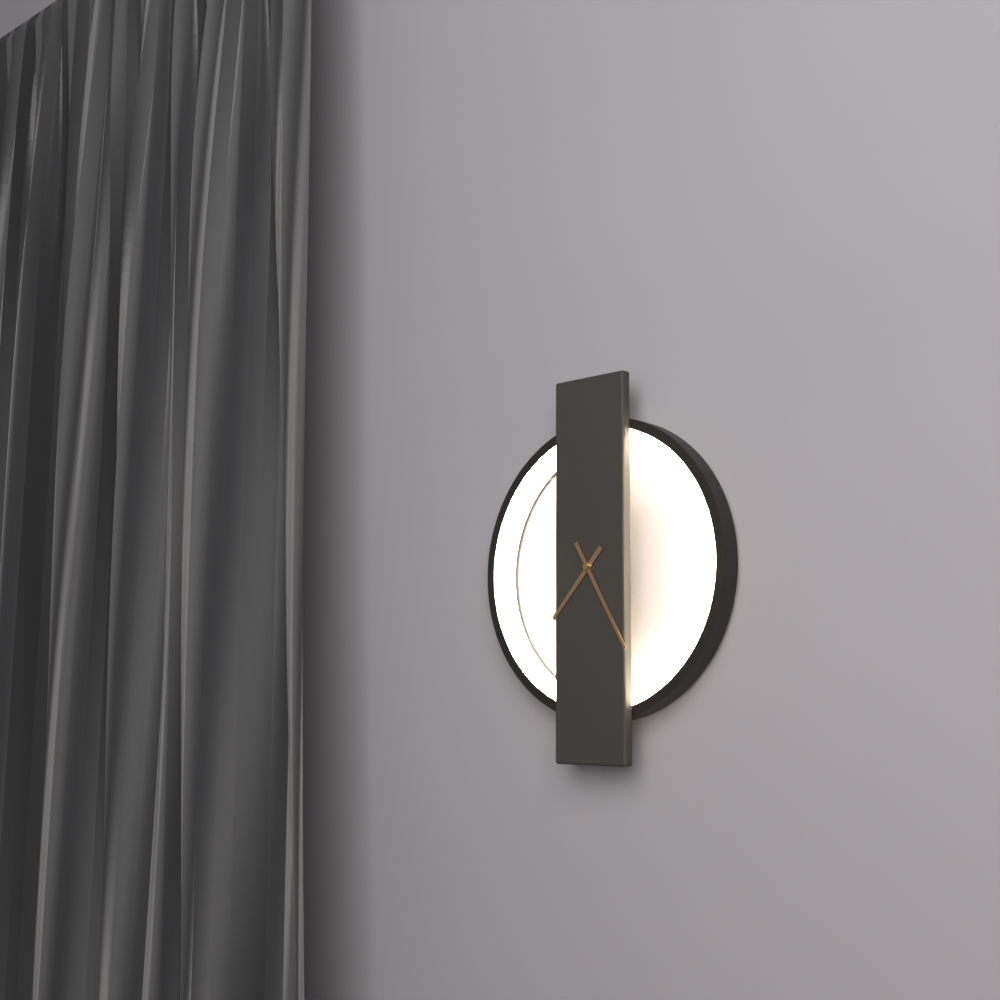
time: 7:25
